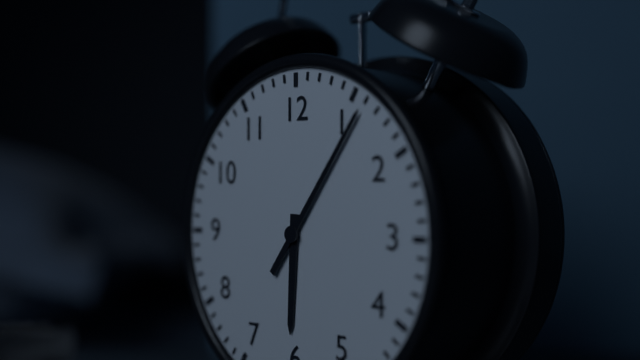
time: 6:06
